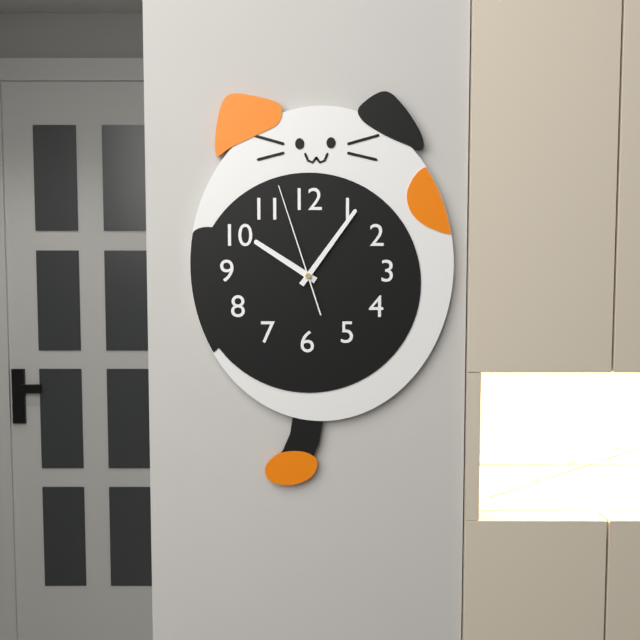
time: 10:06:57
